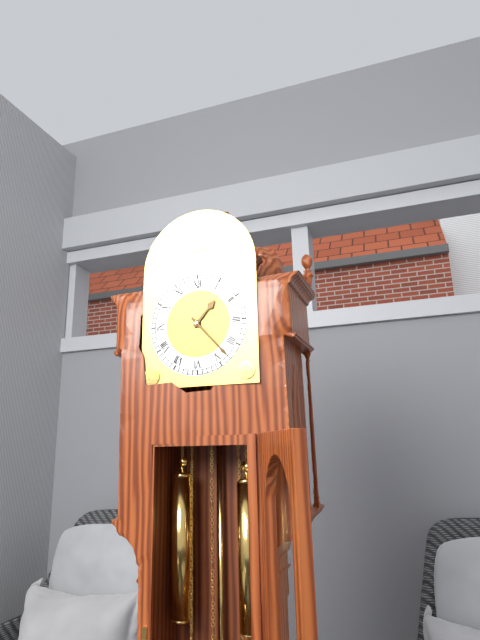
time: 1:23
